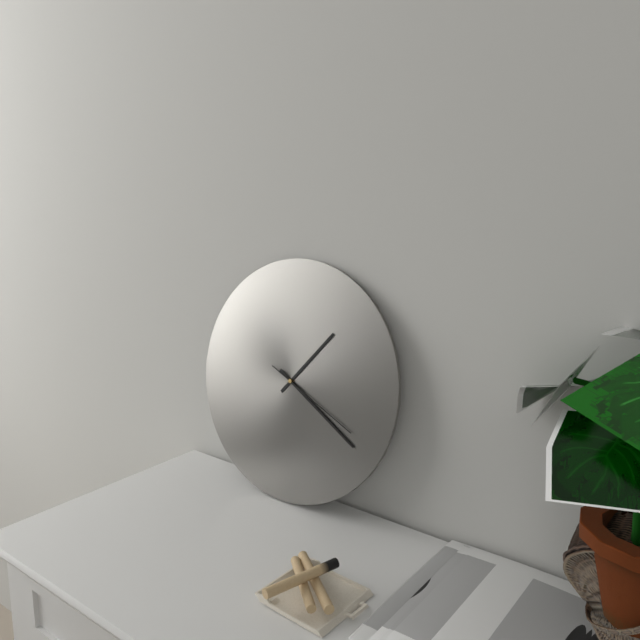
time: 1:20:19
